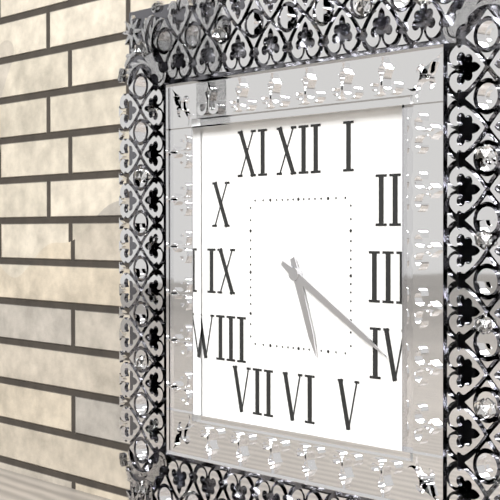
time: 5:20
